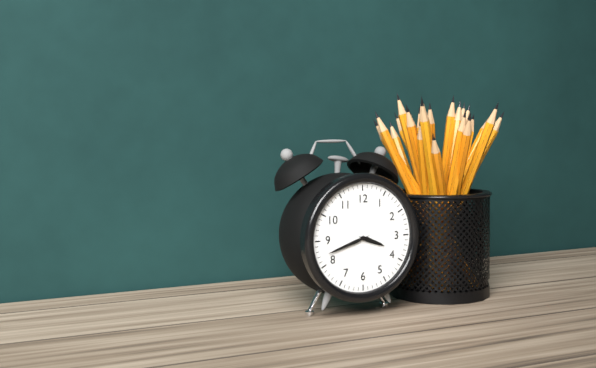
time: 3:42
